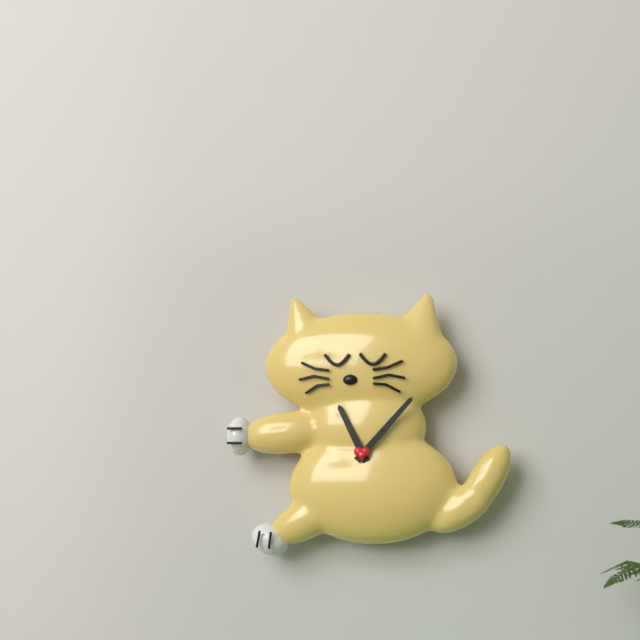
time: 11:07
